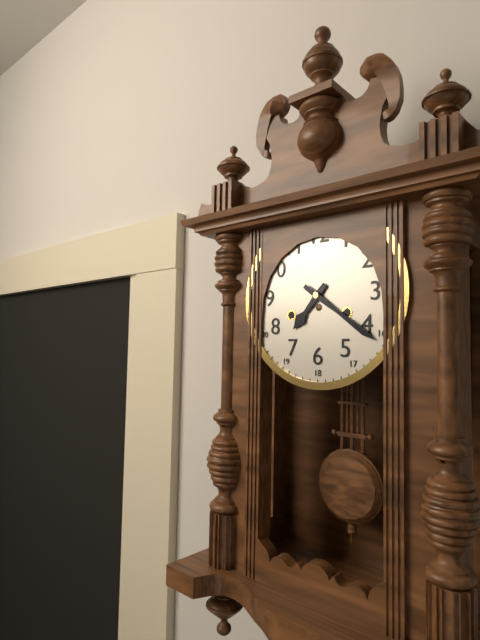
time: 7:21
